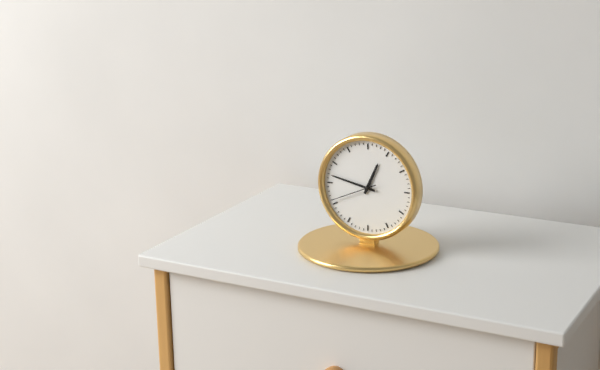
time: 12:47
